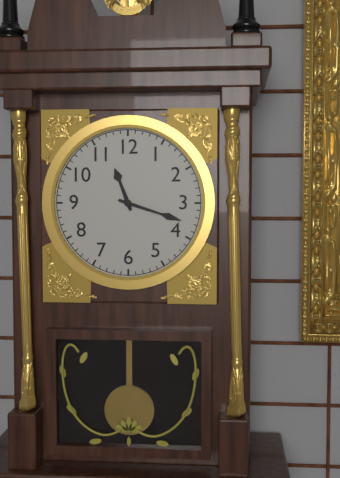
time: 11:18
